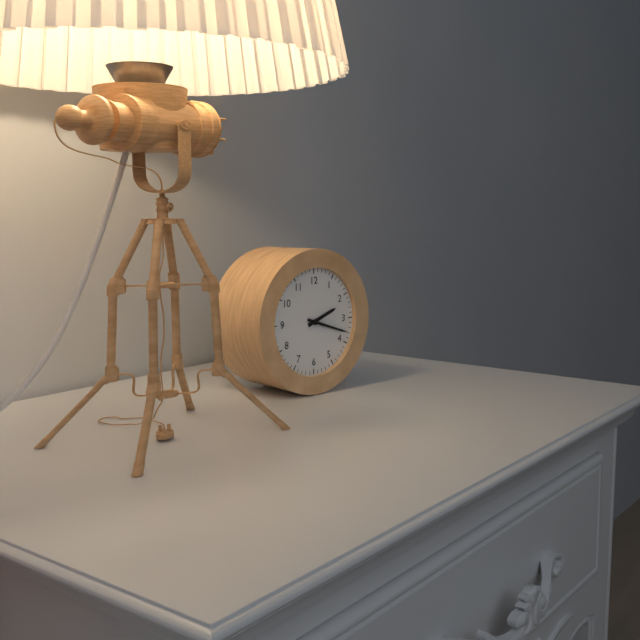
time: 2:18
